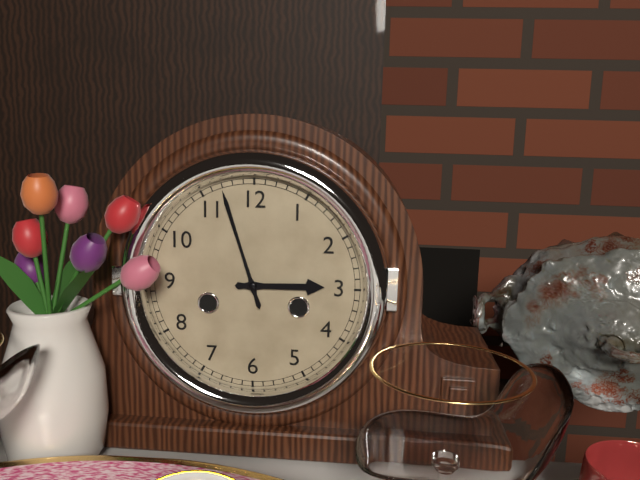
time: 2:57
